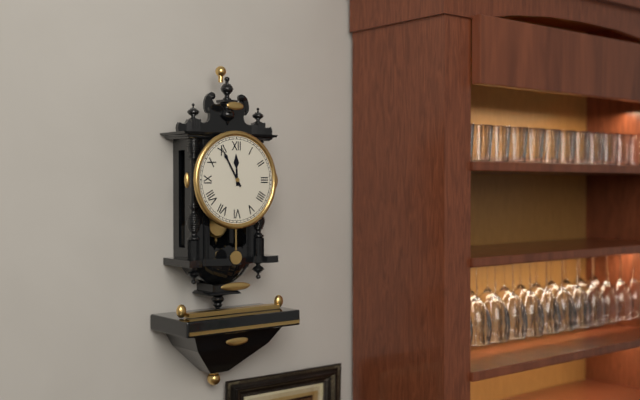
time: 11:55
